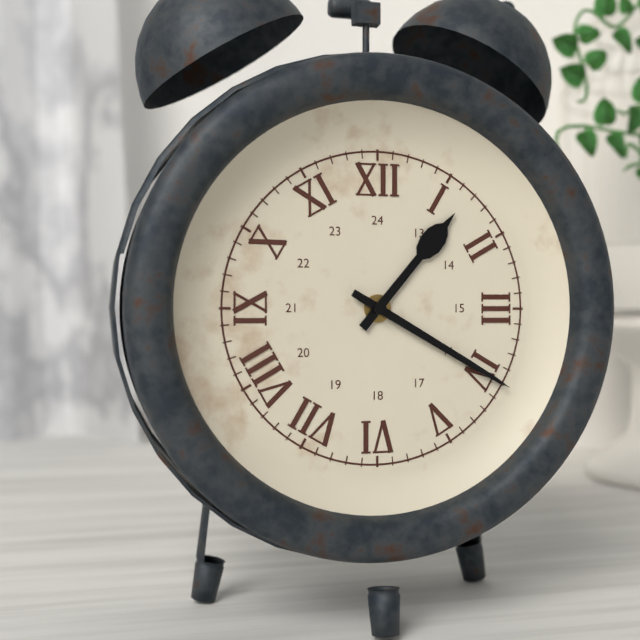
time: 1:20
